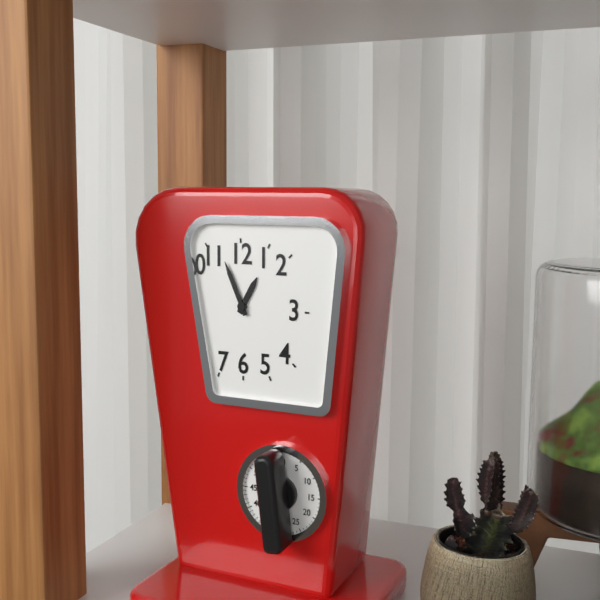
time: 12:56
